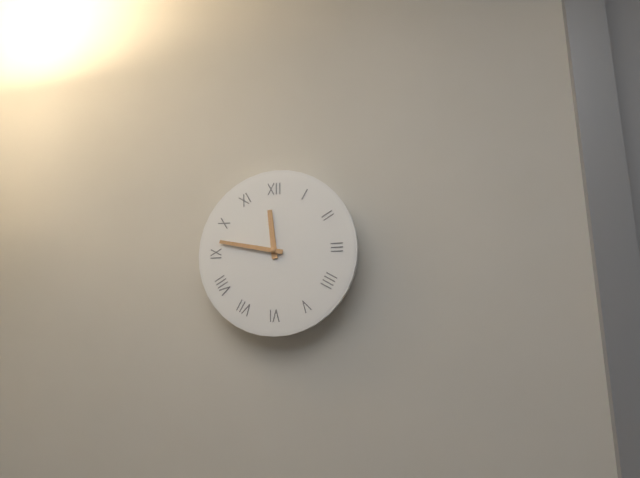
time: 11:47
